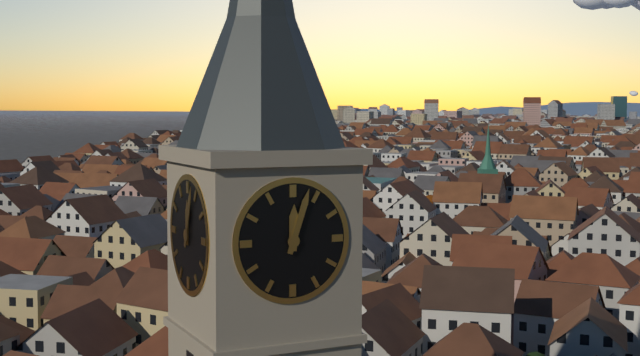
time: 12:03
